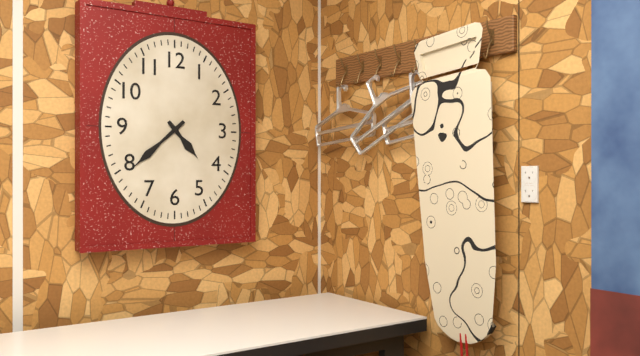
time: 4:38
